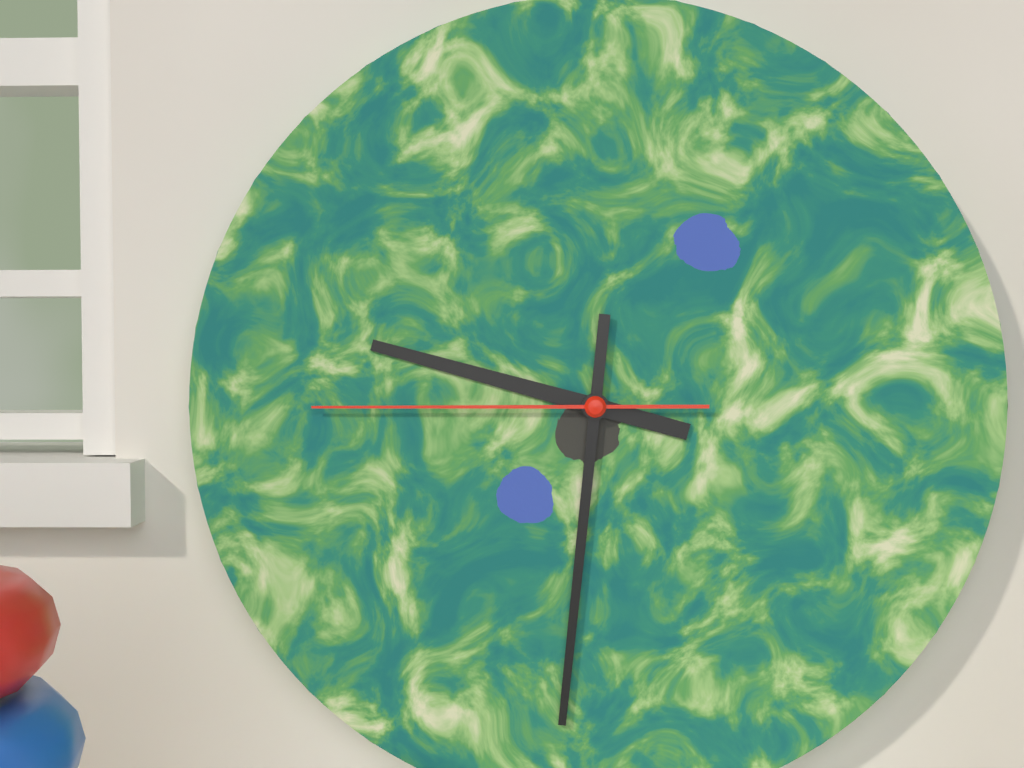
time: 9:31:45
